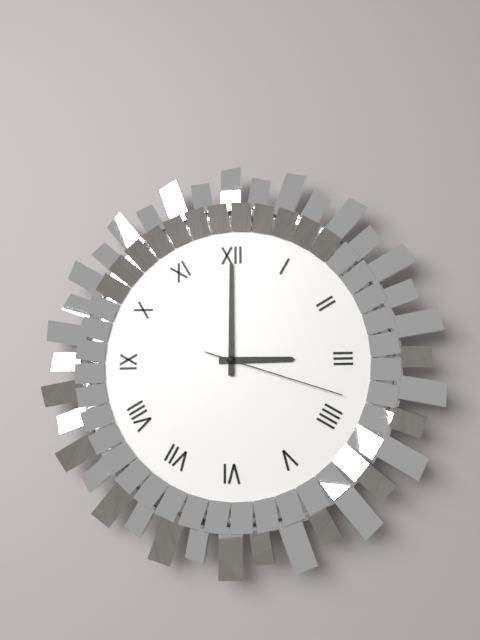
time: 3:00:18
